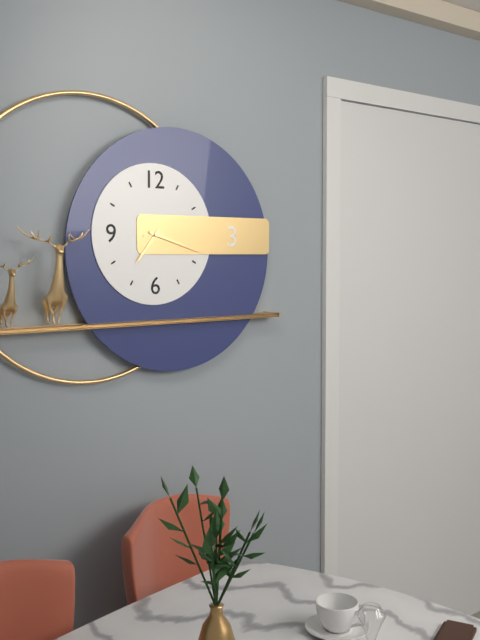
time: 7:18:14
